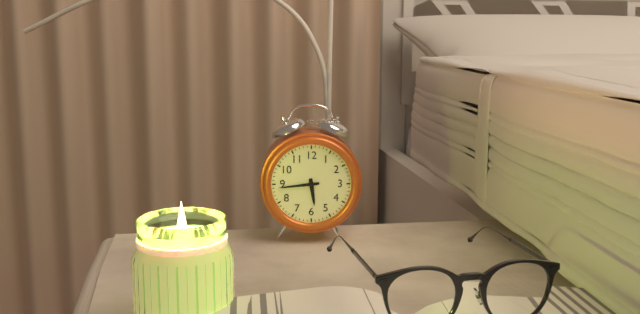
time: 5:44
